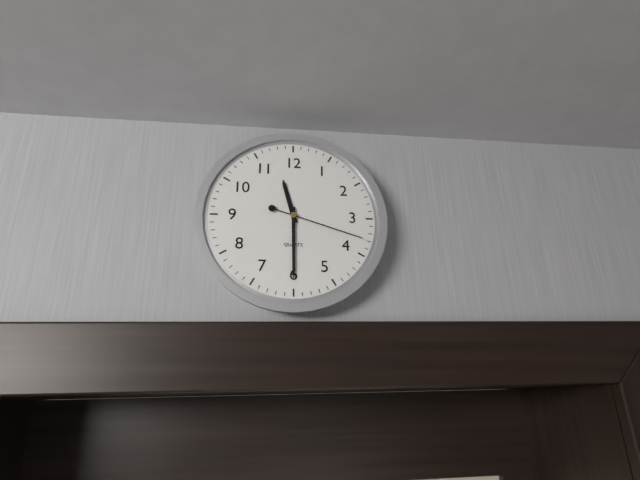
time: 11:30:18
